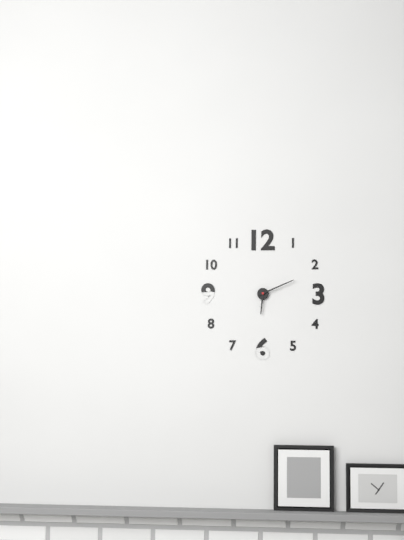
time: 6:11
